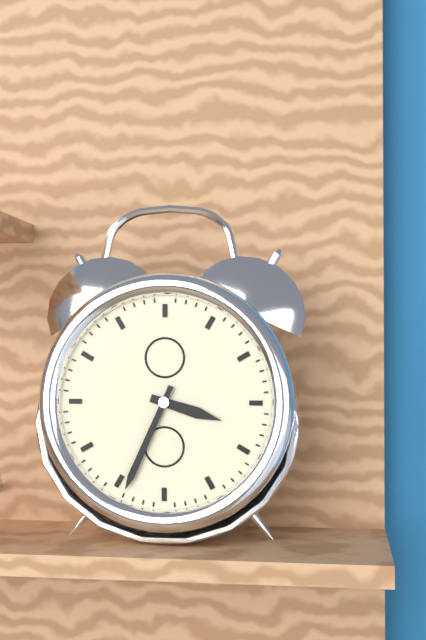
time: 3:34
